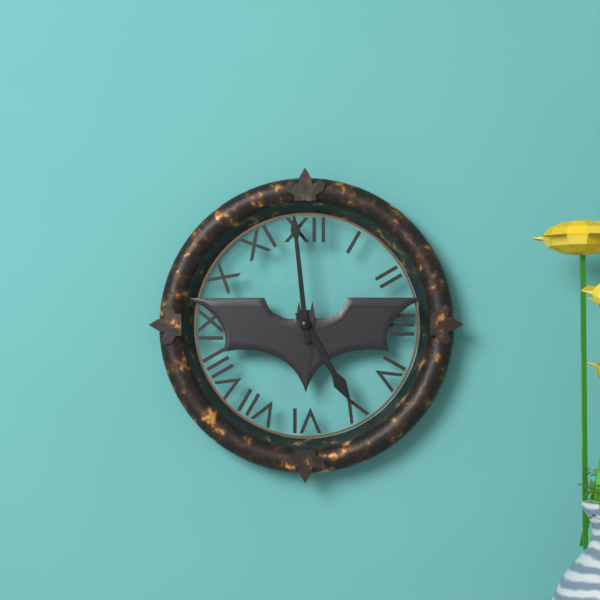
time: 4:59
